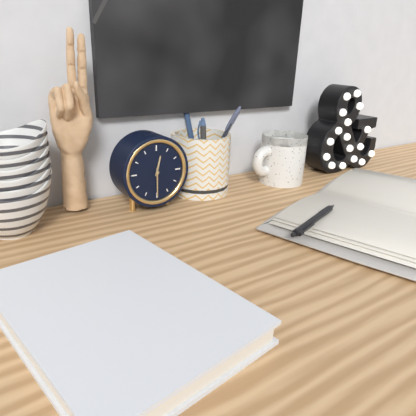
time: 12:30
